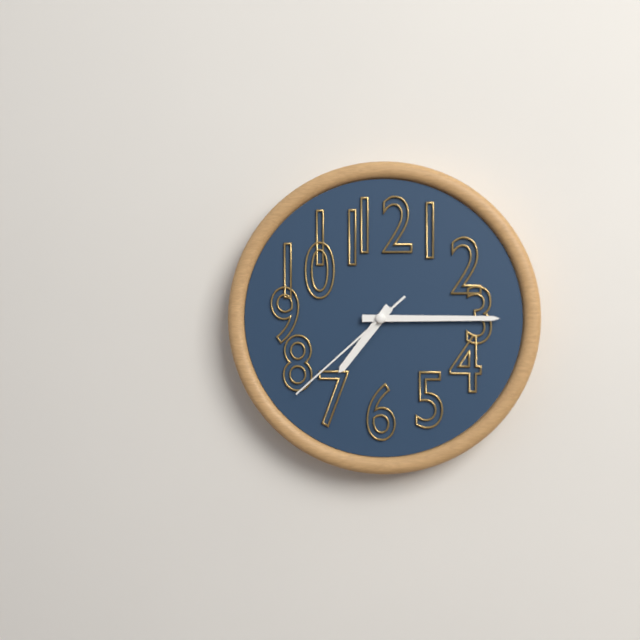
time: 7:15:38
